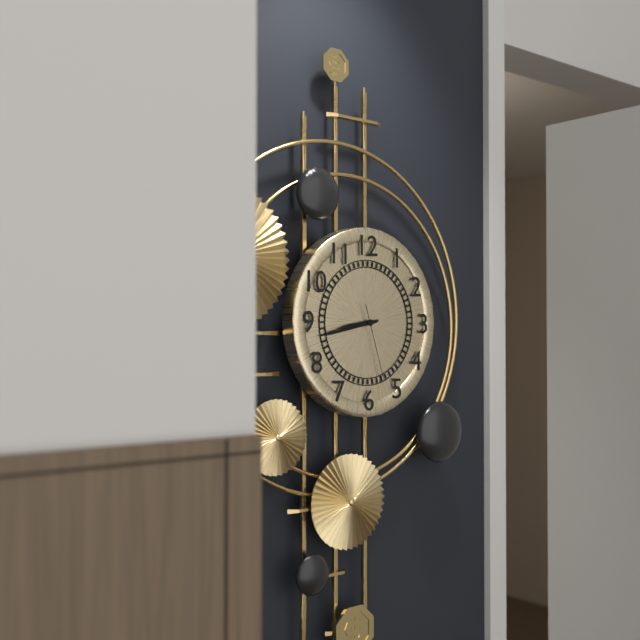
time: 8:43:27
